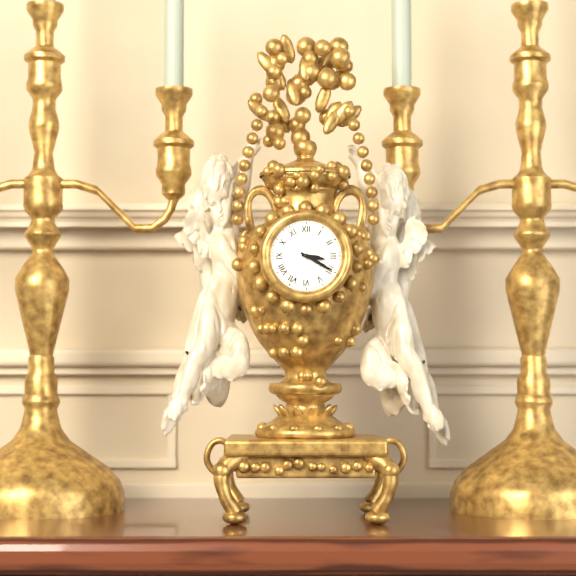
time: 3:20
